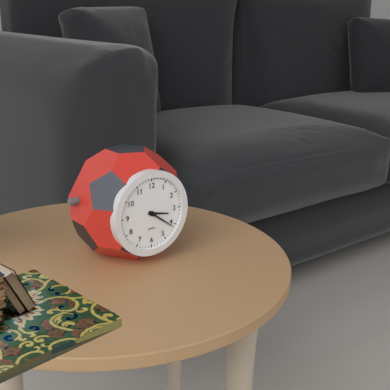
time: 3:21
